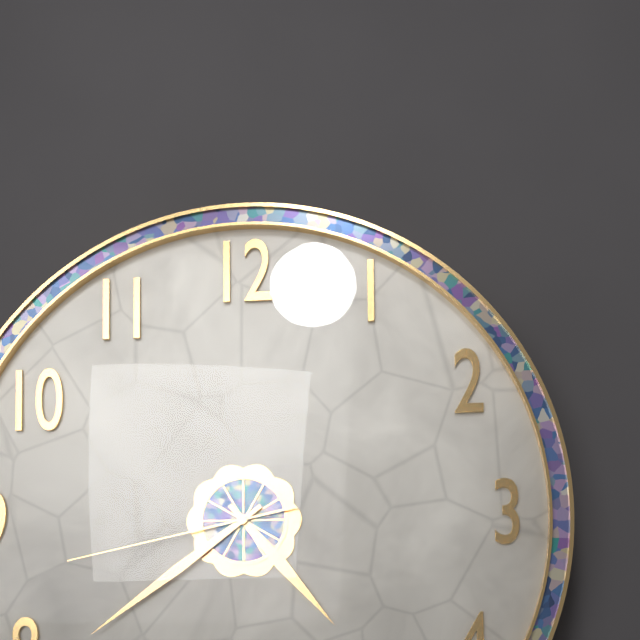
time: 4:39:43
